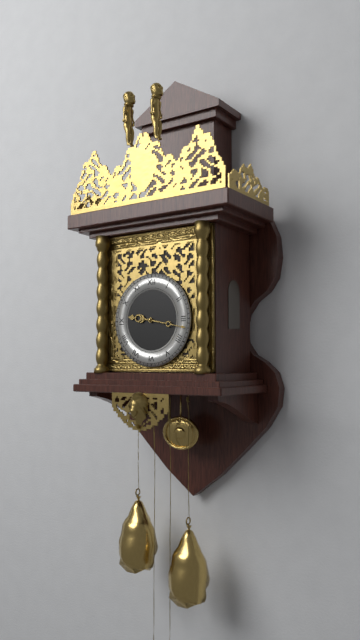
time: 9:17
